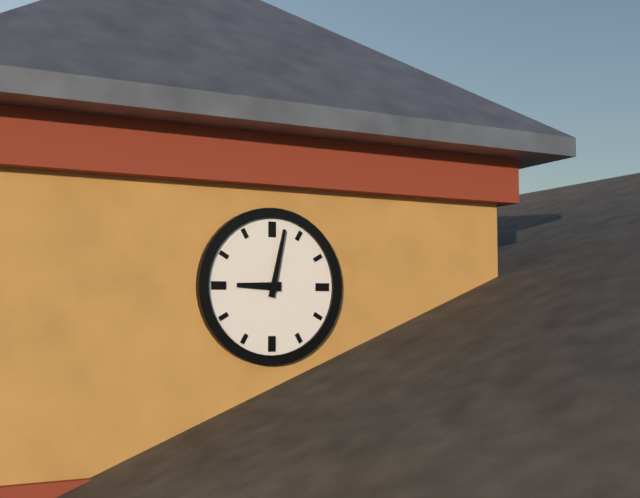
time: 9:02
